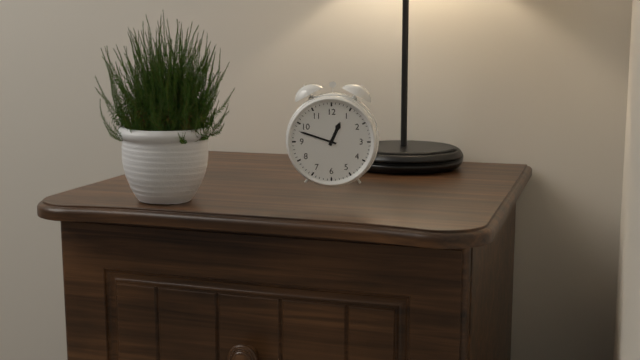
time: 12:48
